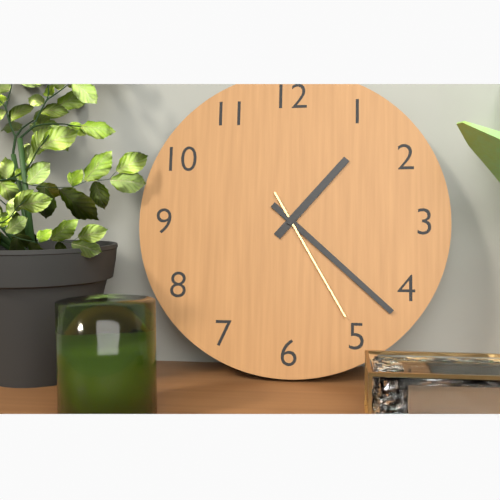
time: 1:22:25
